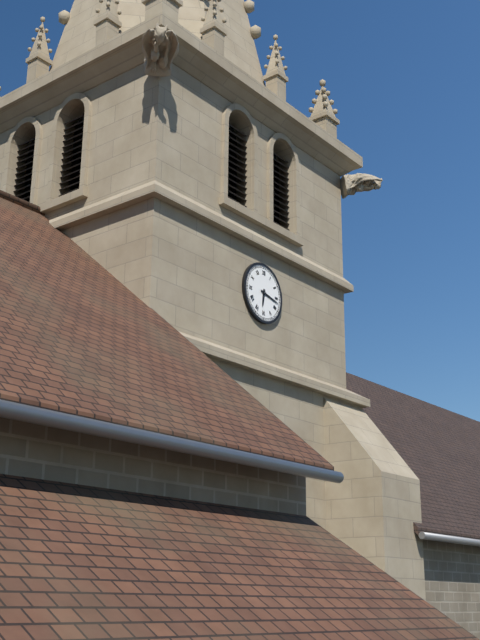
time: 6:17
